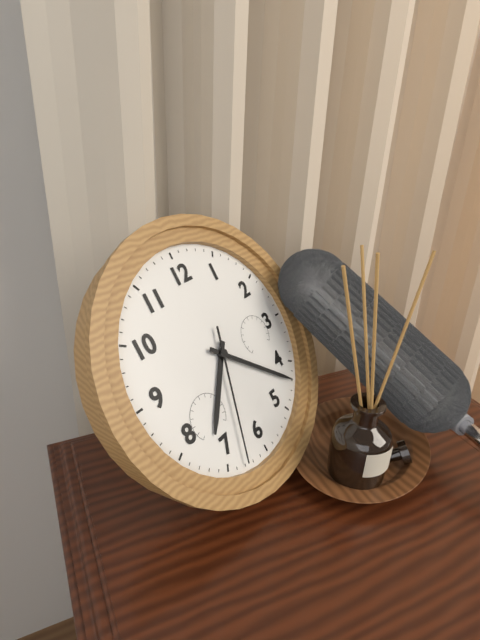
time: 7:22:33
